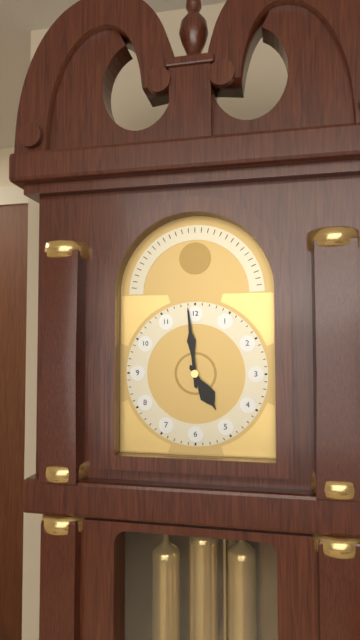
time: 4:59
